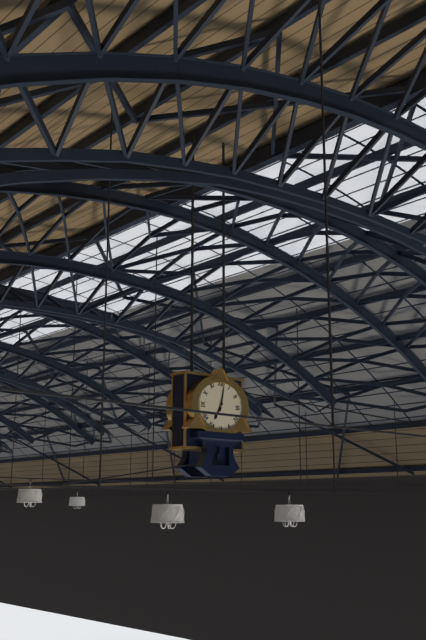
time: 7:02
